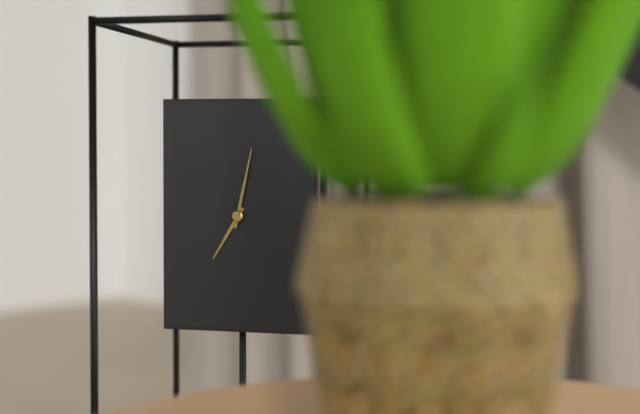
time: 7:02
